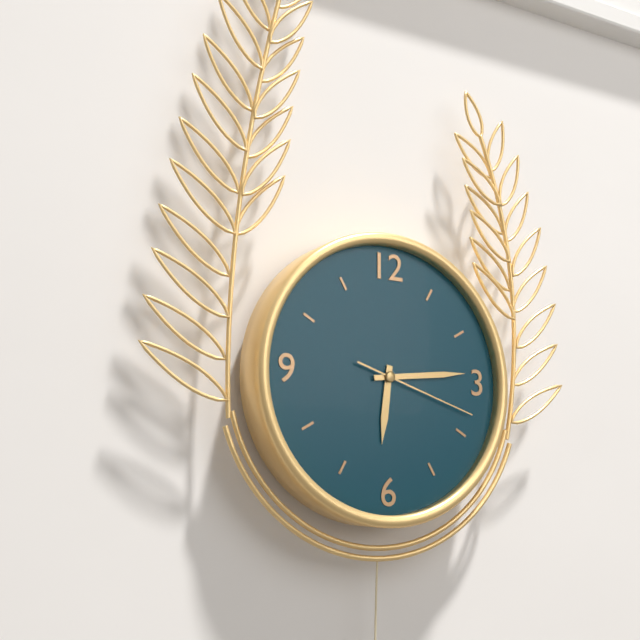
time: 6:14:18
